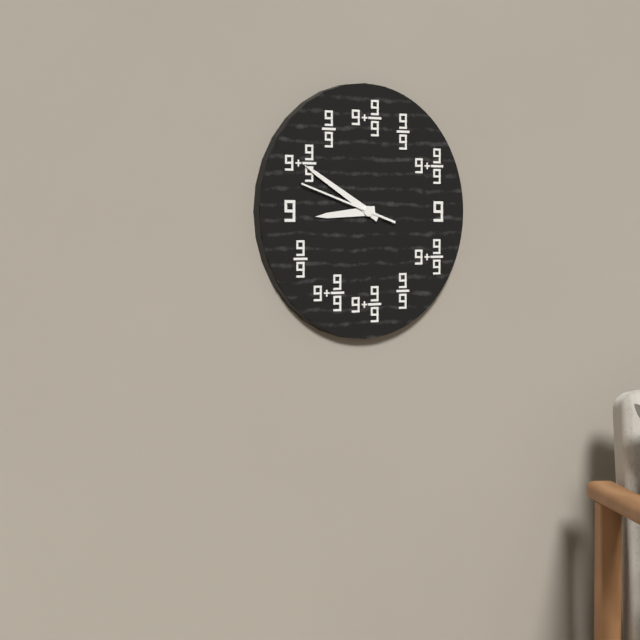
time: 8:50:48
